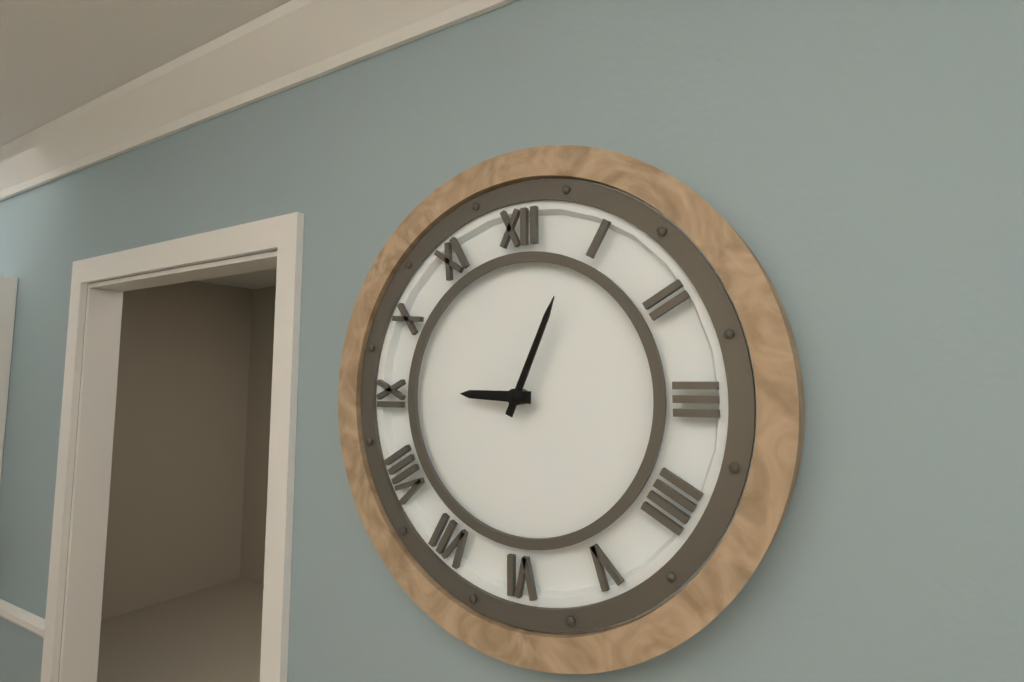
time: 9:04
